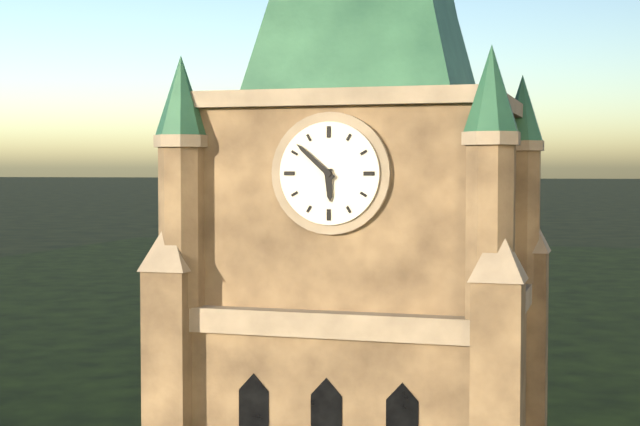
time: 5:52
